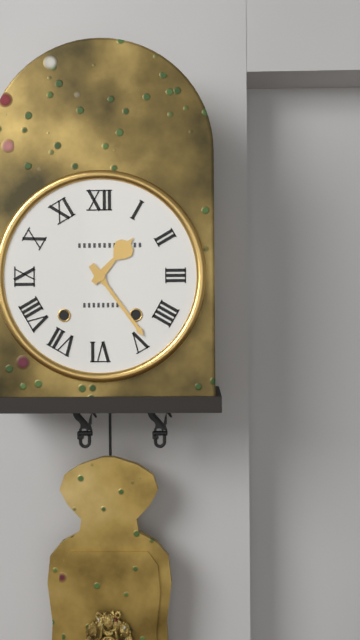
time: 1:24
